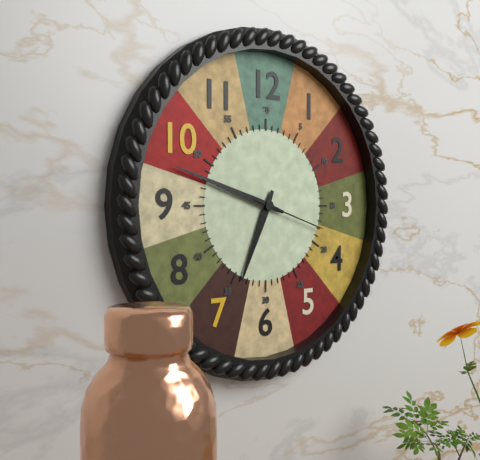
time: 6:48:18
